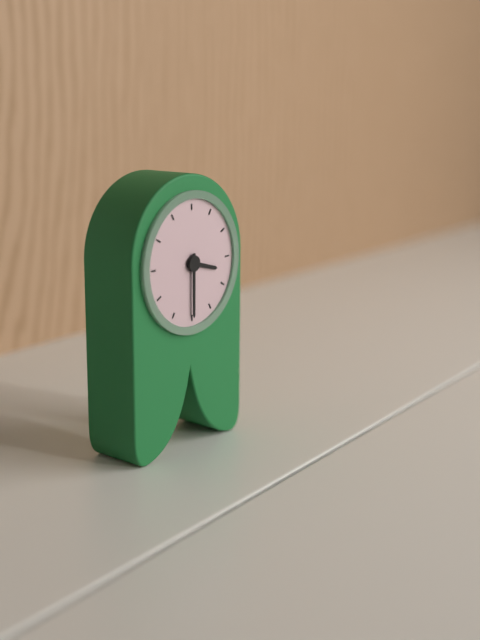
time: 3:30
